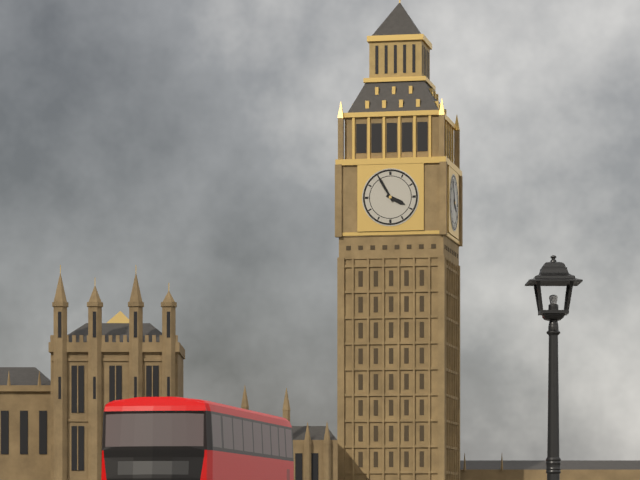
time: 3:55
